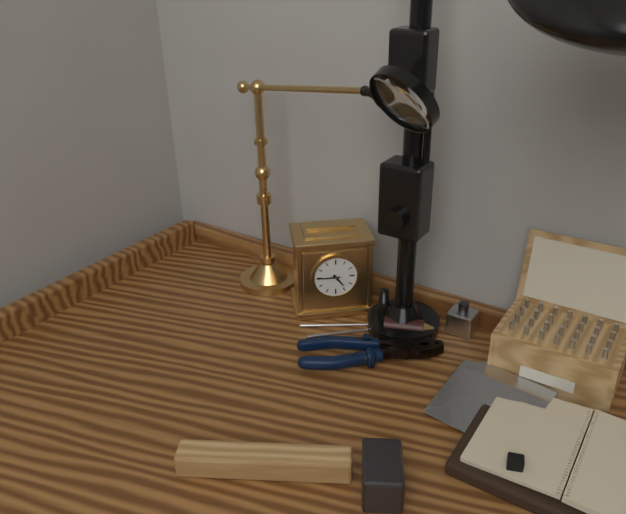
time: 4:45
